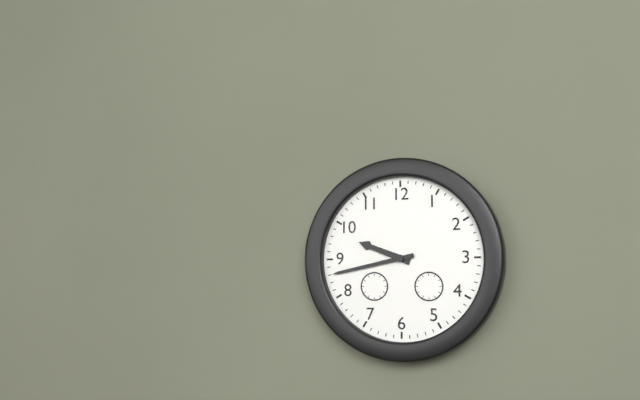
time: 9:43
